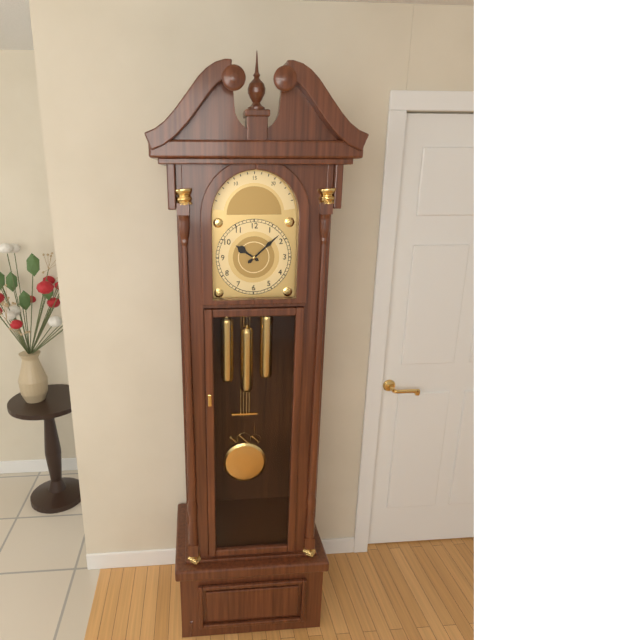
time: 10:08
